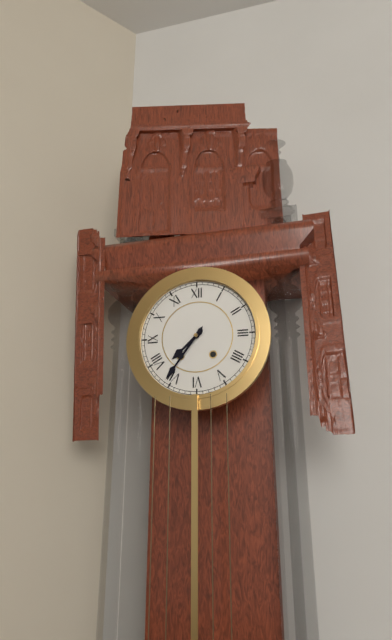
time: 7:36
